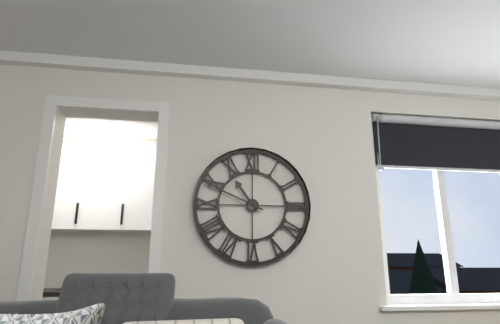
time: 10:49
